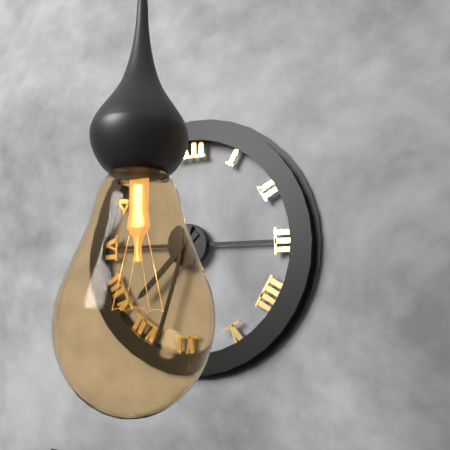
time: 7:33
